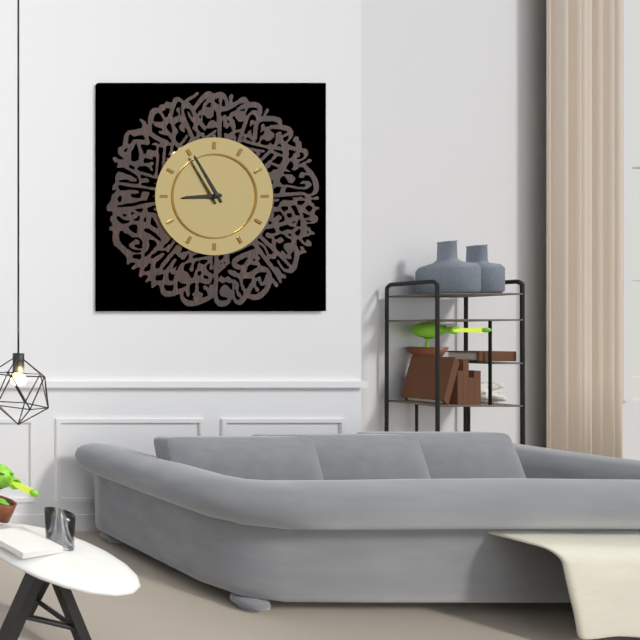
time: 8:55
